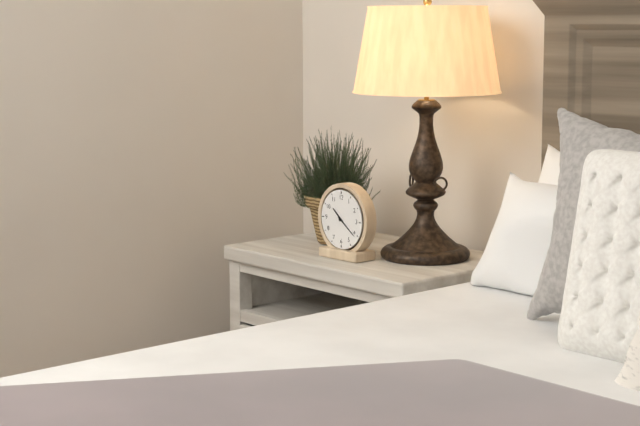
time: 10:21
